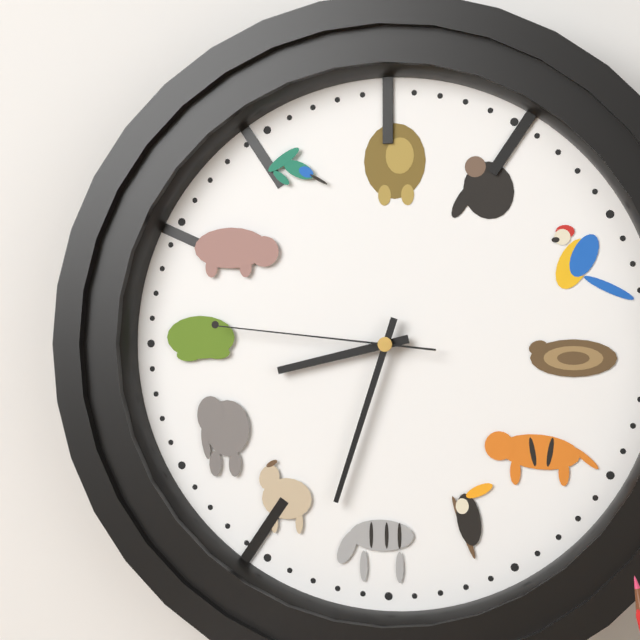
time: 8:33:46
